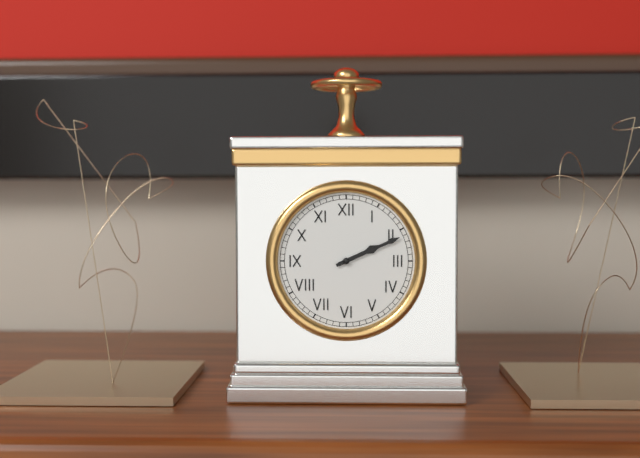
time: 2:11
